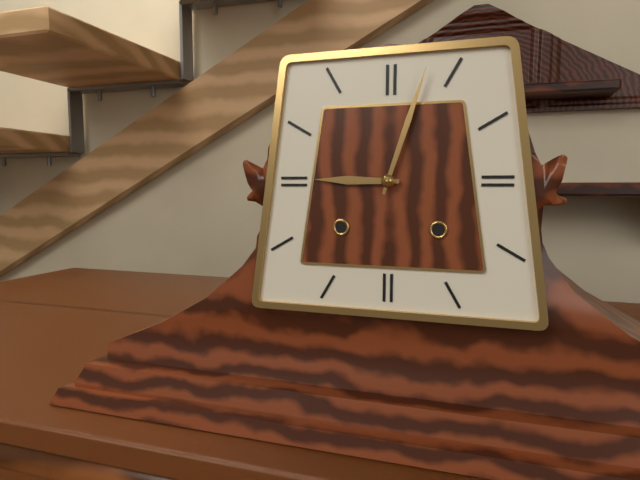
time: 9:03
